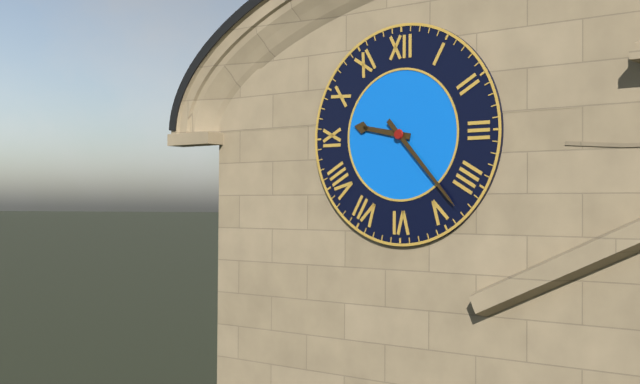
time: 9:23
